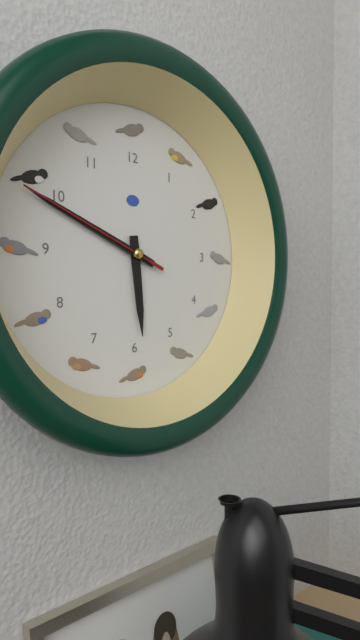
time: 5:49:49
